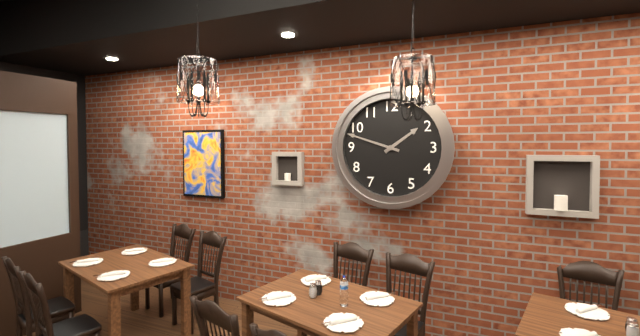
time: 1:48
